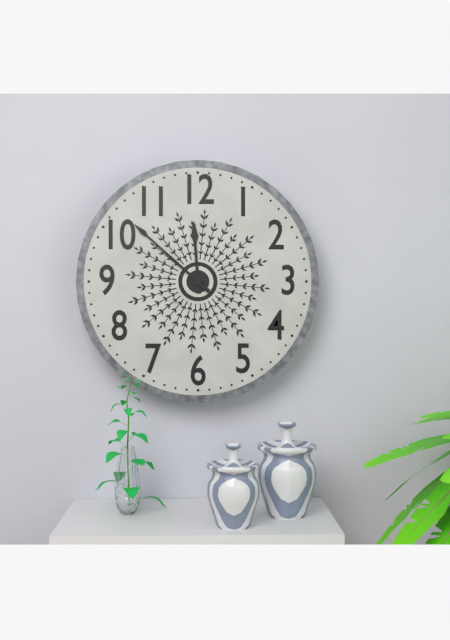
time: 11:52
